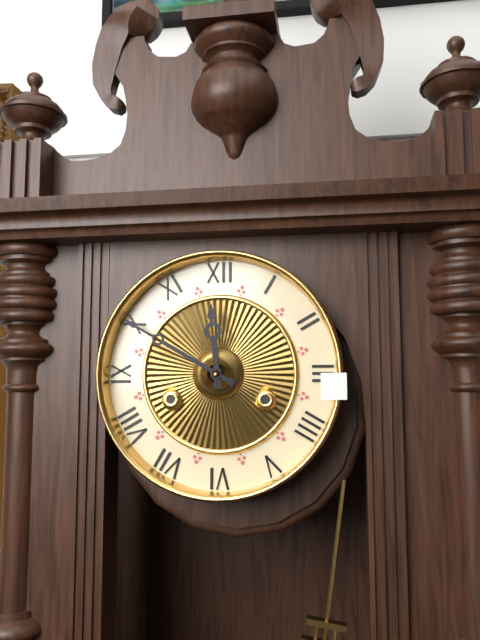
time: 11:50
